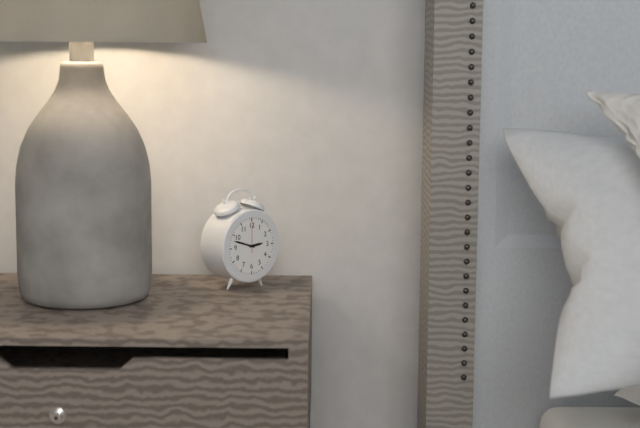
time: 2:48
